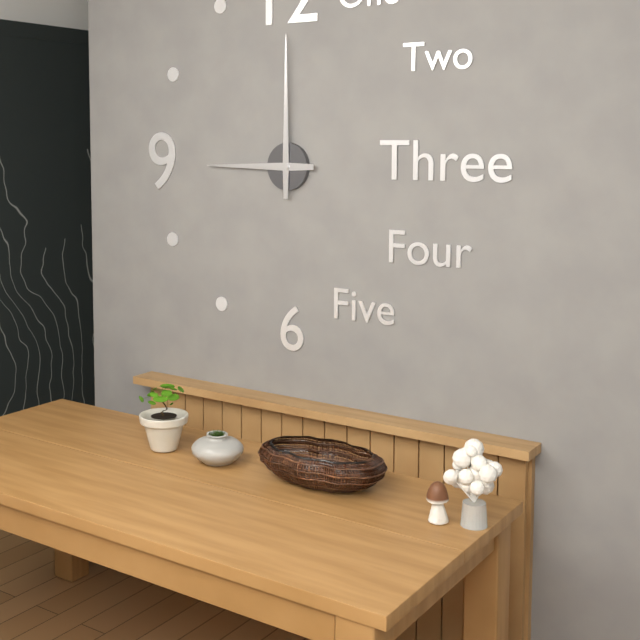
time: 9:00
